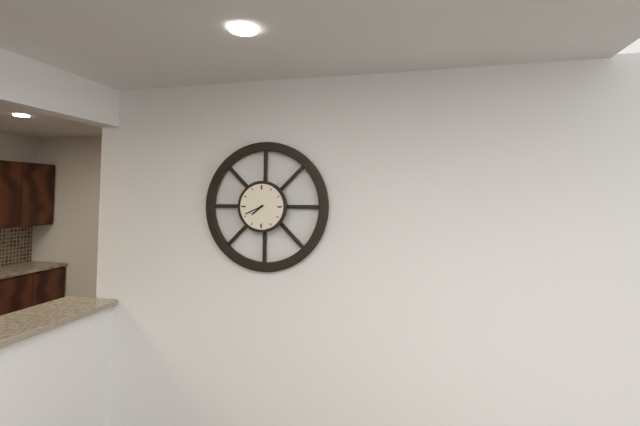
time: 7:41
